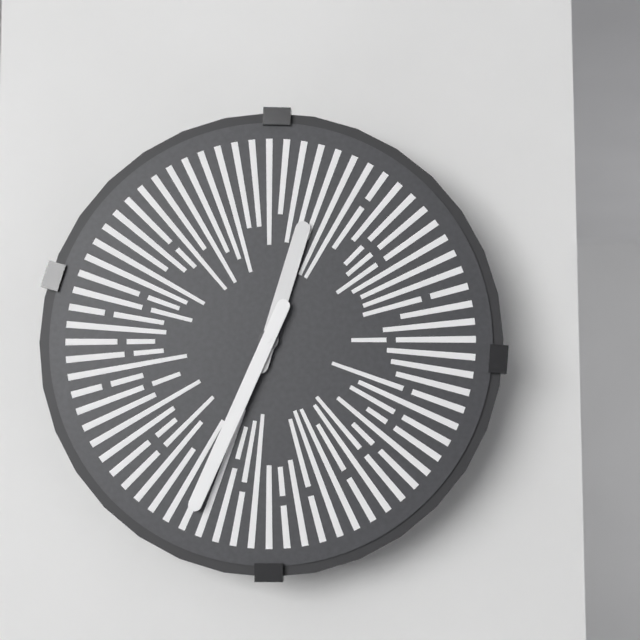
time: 12:34
